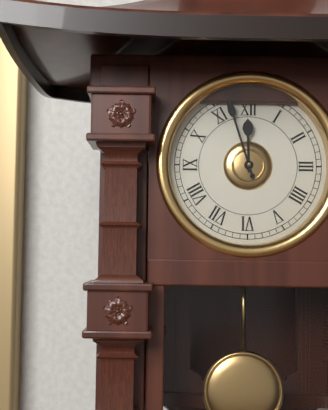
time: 11:57
